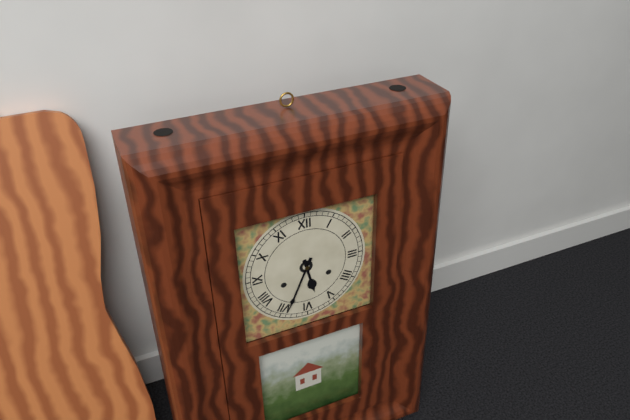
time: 5:34
